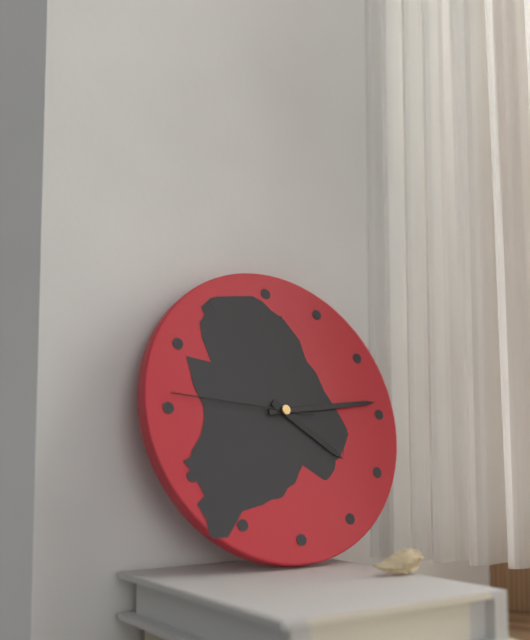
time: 4:14:46
